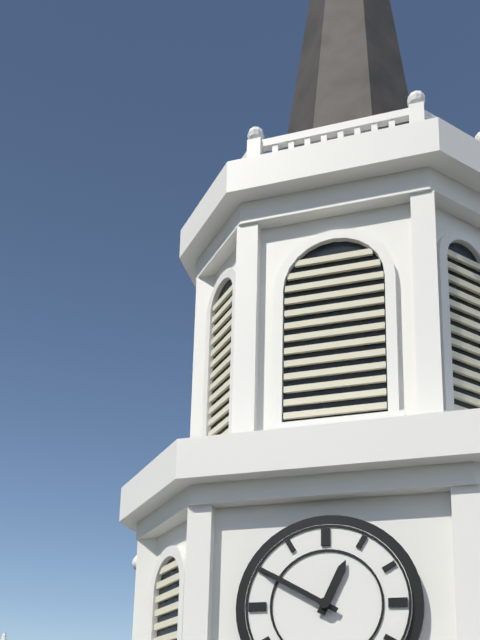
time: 12:50
